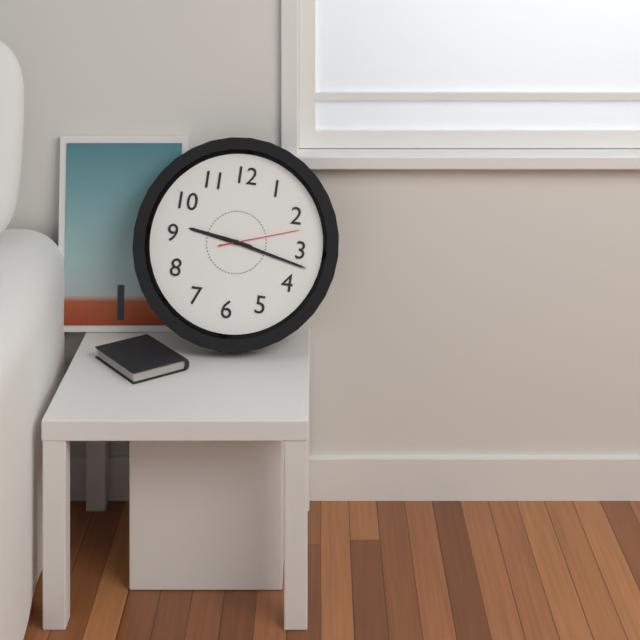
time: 9:17:12
